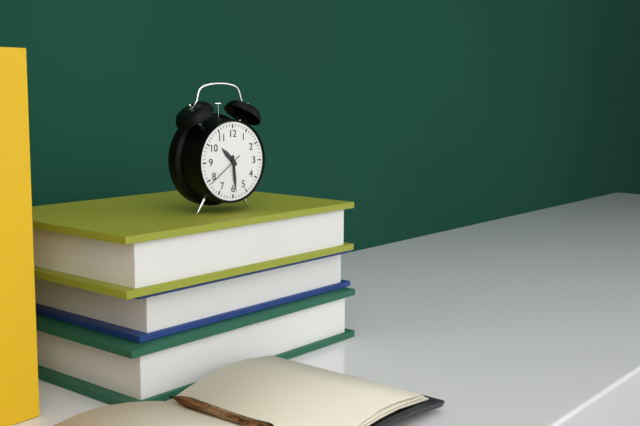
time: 10:29
